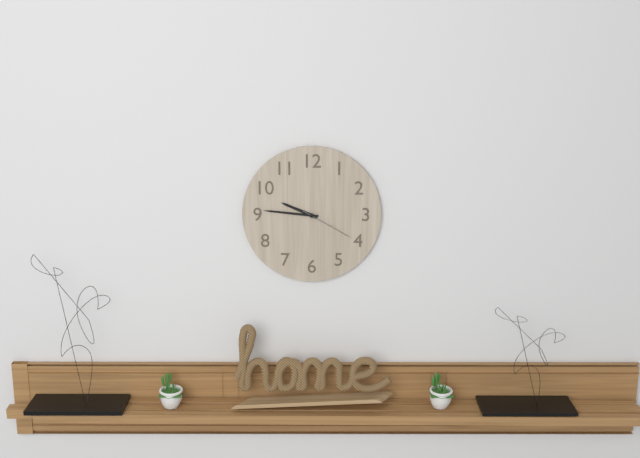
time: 9:46:20
